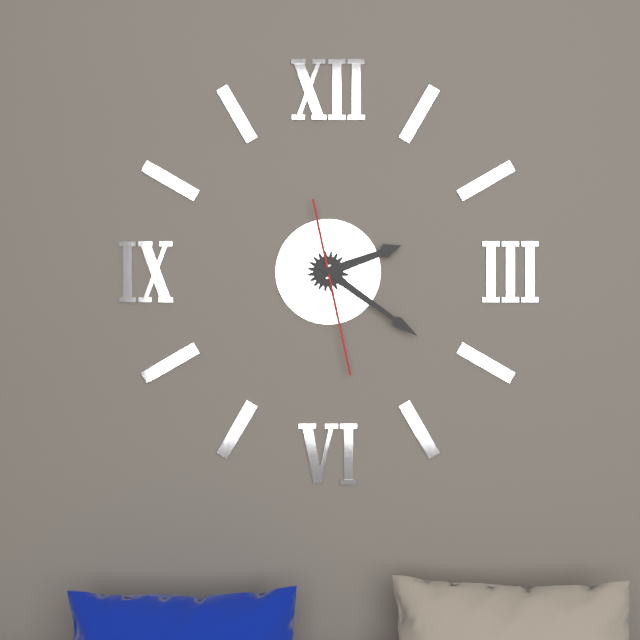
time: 2:21:28
